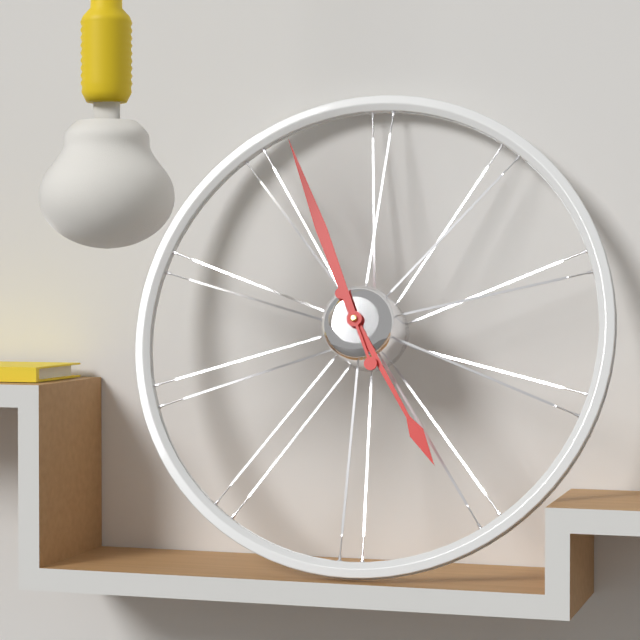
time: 4:56
